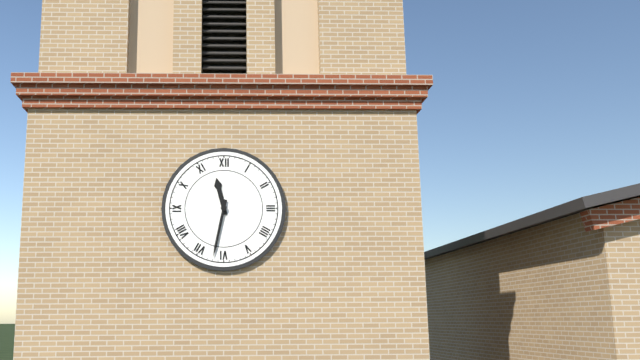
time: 11:32
